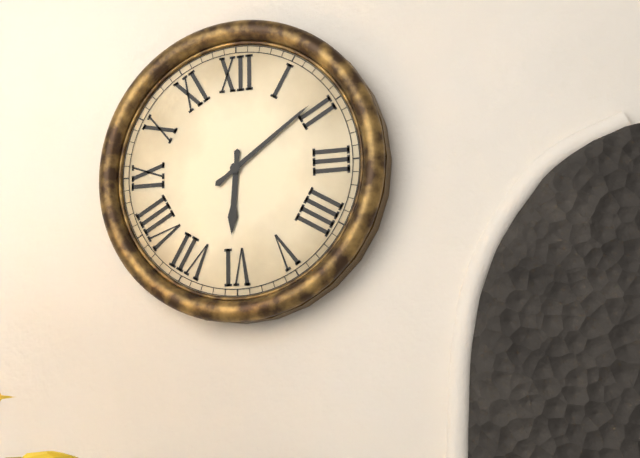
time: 6:09
